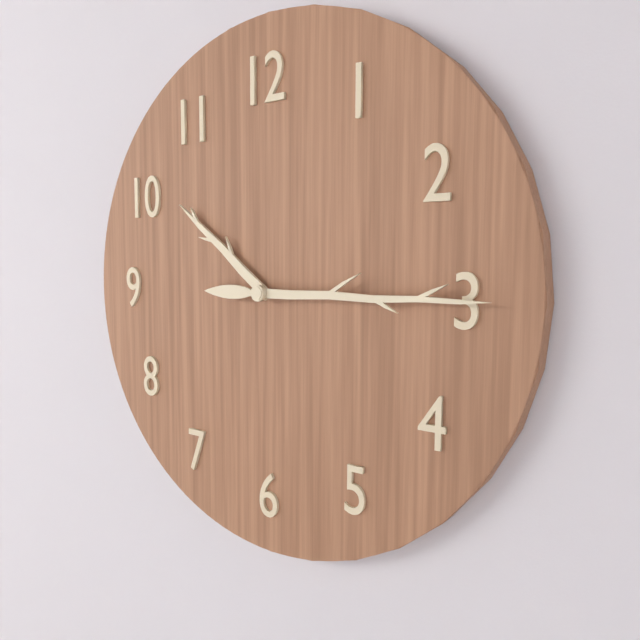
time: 10:15
